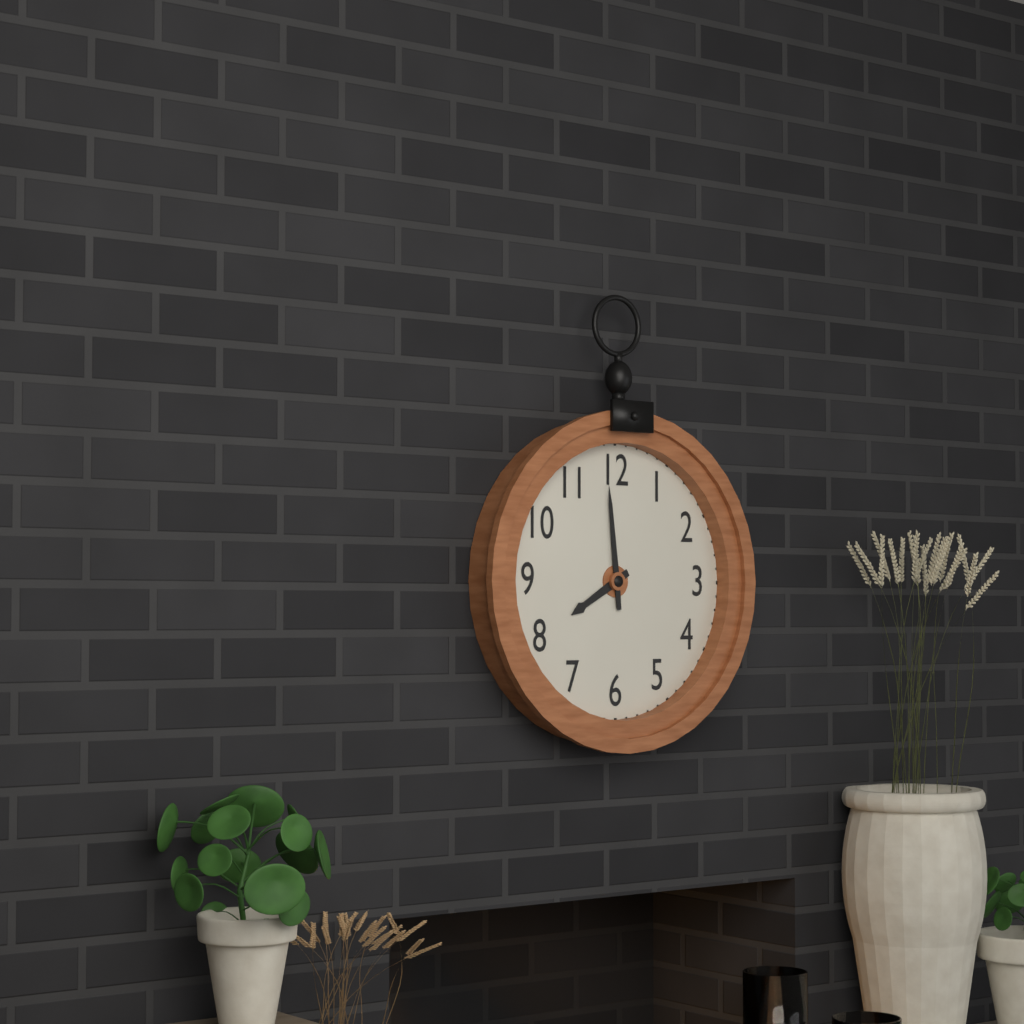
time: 7:59
